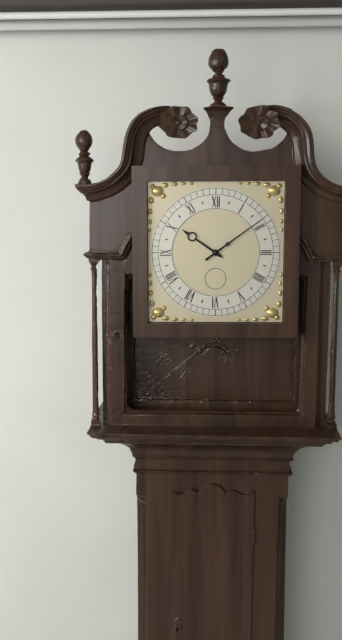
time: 10:09
